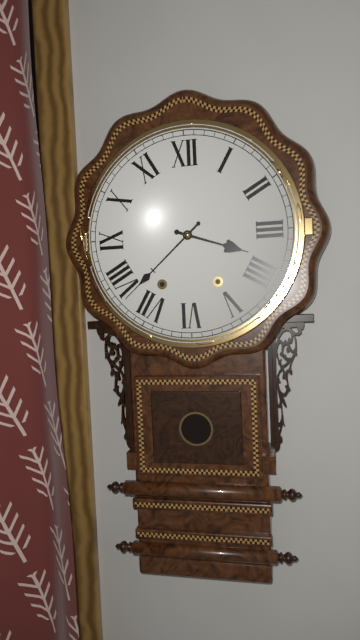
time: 3:38
